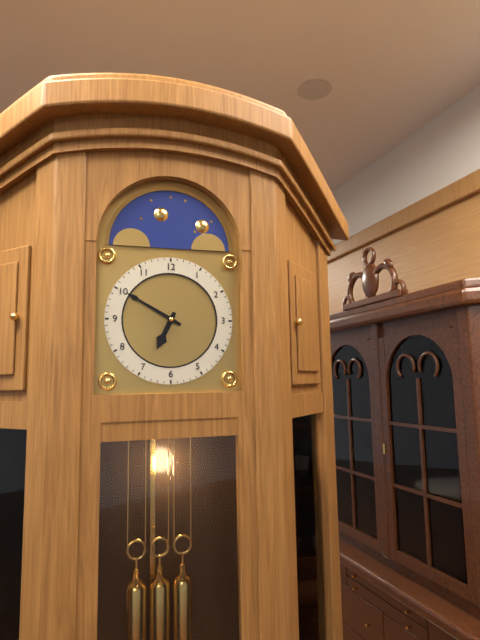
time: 6:50
